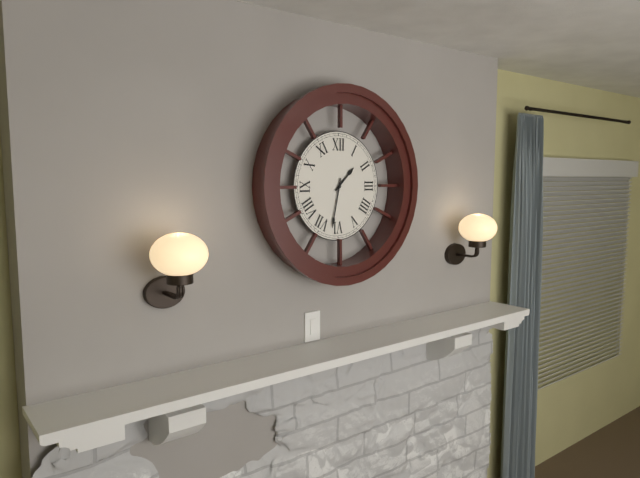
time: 1:32
